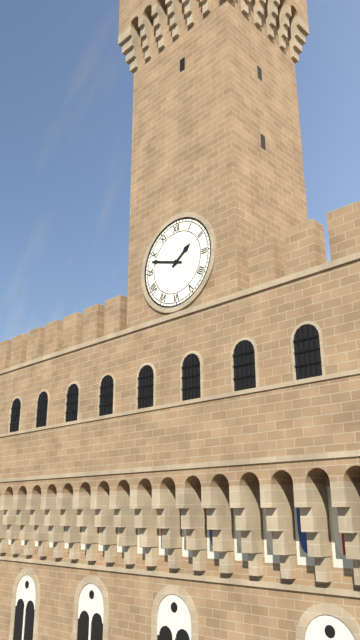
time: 1:48
